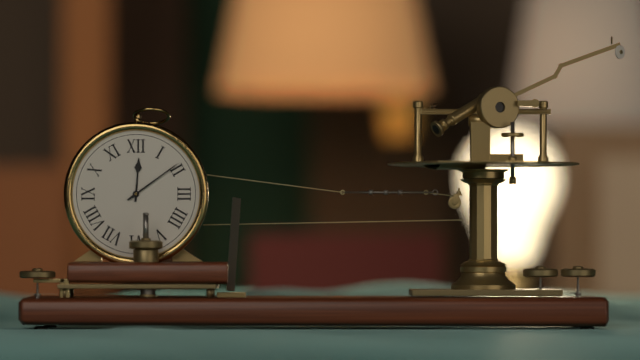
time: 12:09
